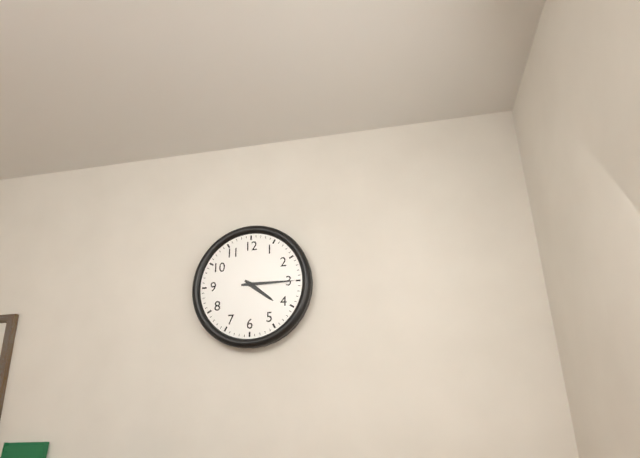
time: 4:15
